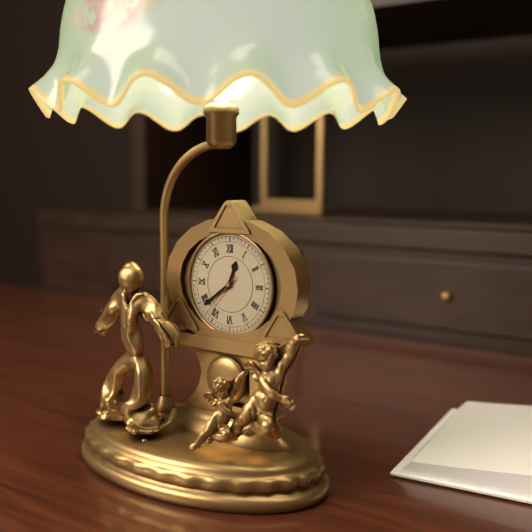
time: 12:39
